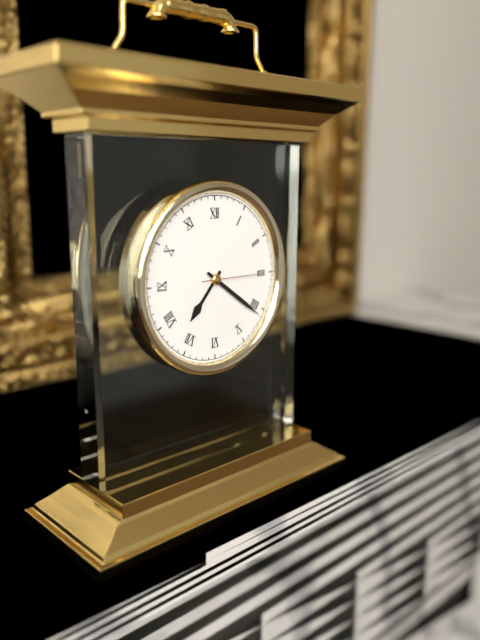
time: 7:21:15
